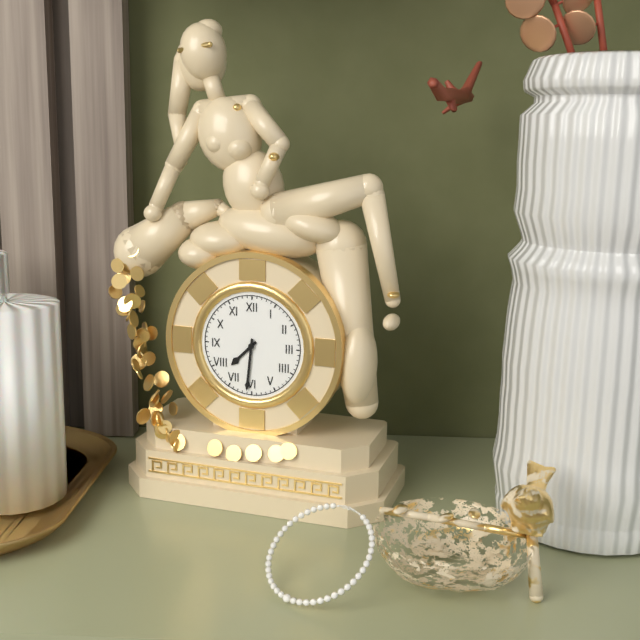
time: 7:31
